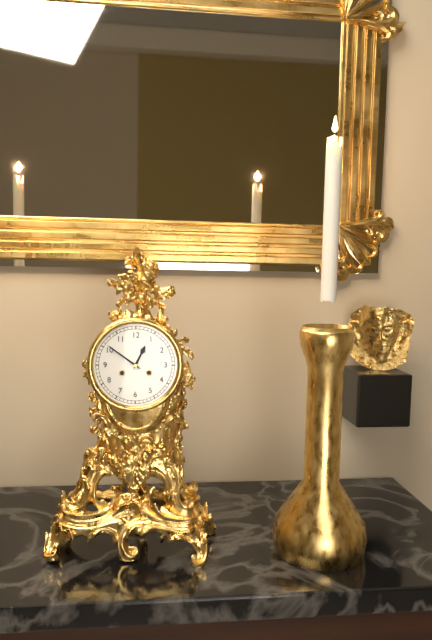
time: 12:51
